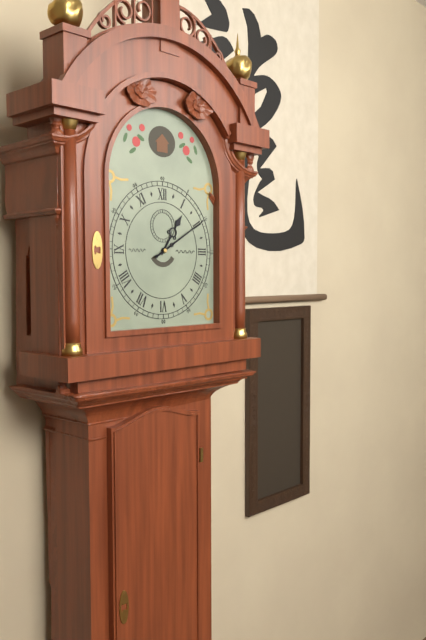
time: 1:10
